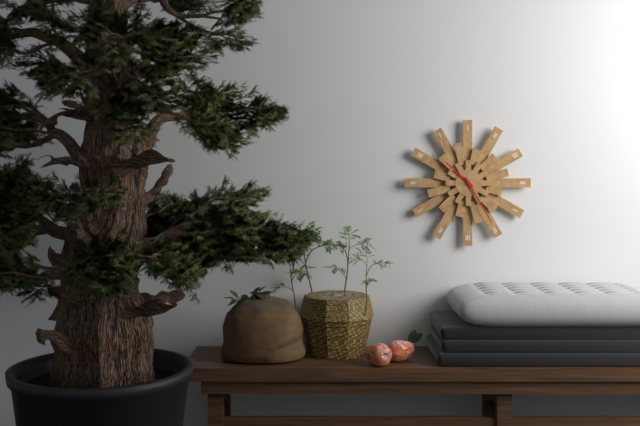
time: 10:25
